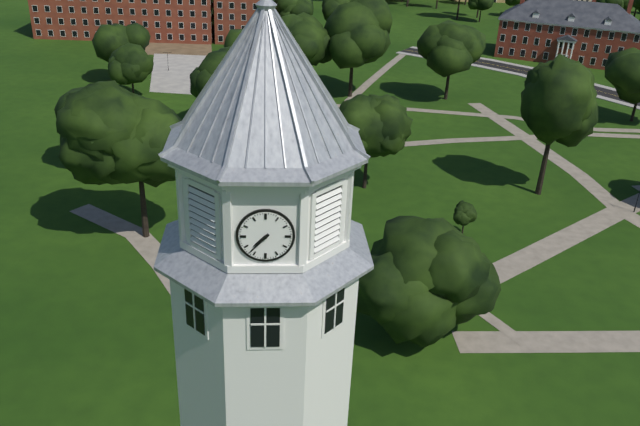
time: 7:37
